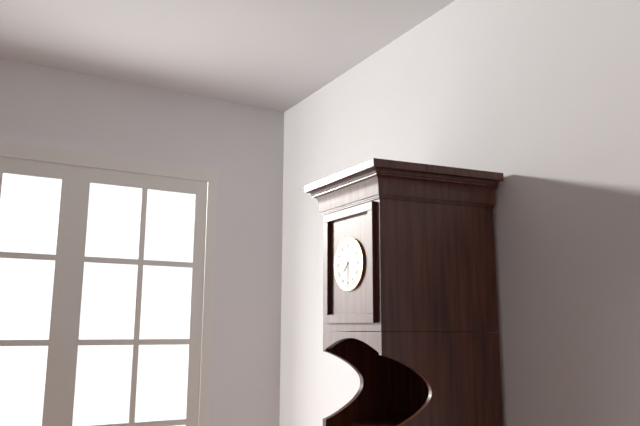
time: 7:30
